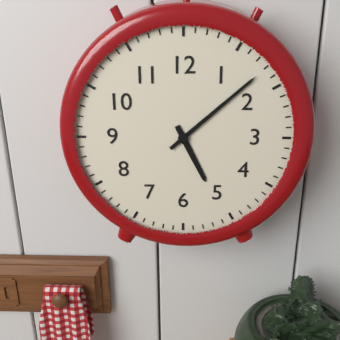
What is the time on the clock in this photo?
5:08
